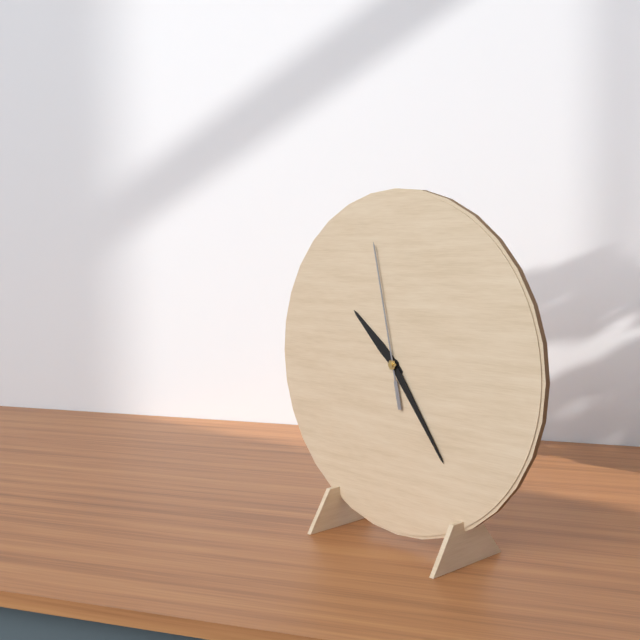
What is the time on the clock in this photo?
10:24:58
